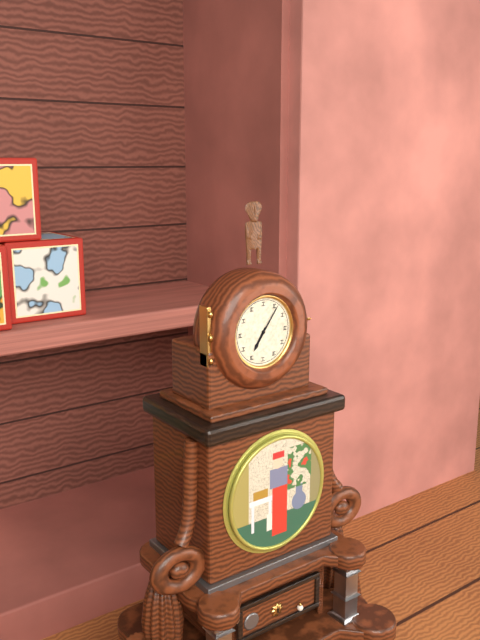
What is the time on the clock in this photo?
7:06
